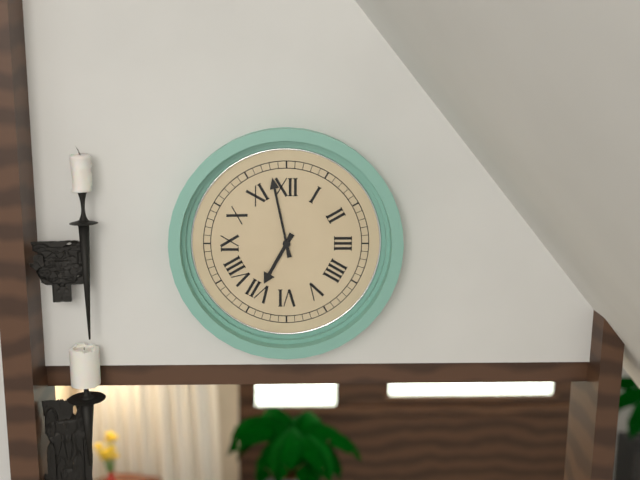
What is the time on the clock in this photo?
6:58
